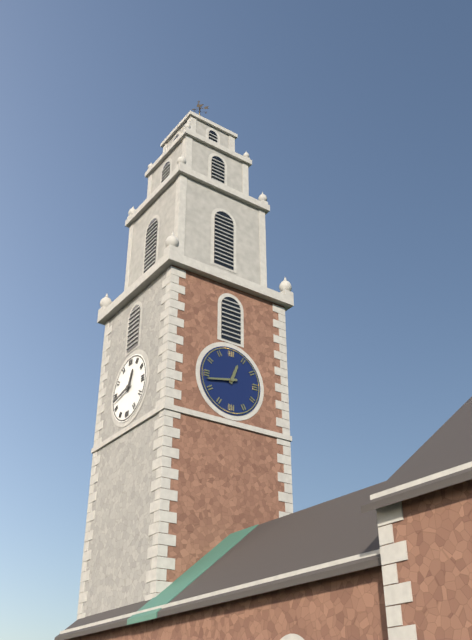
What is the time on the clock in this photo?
12:43
